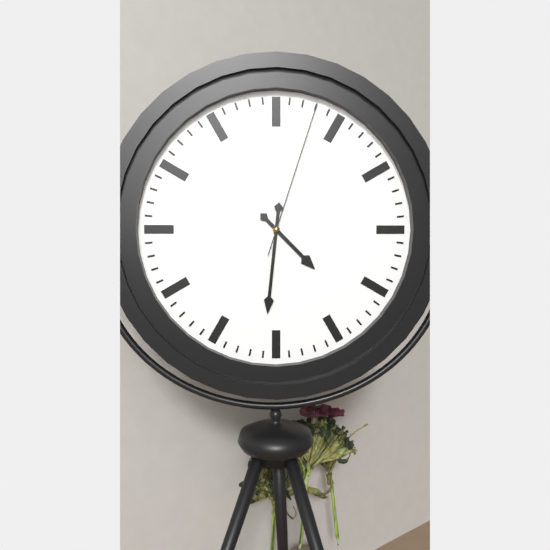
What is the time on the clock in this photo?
4:31:03
